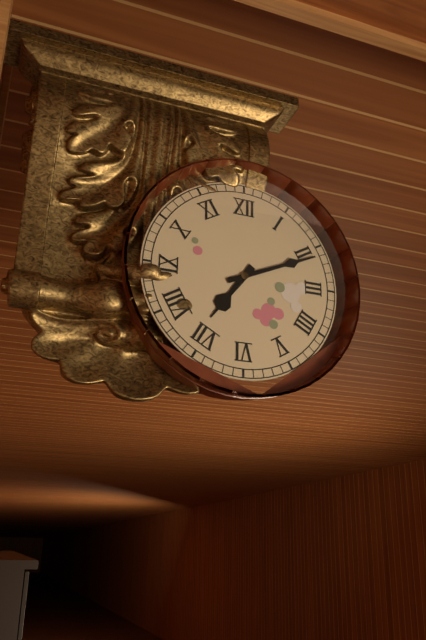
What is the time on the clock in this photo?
7:11
